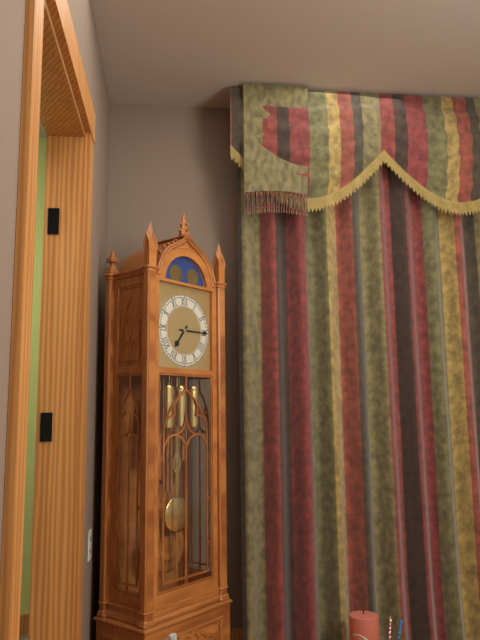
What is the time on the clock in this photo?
7:15
